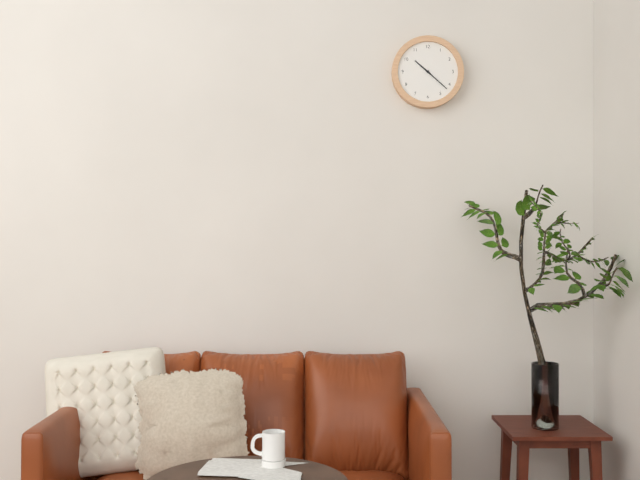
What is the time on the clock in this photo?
10:22
